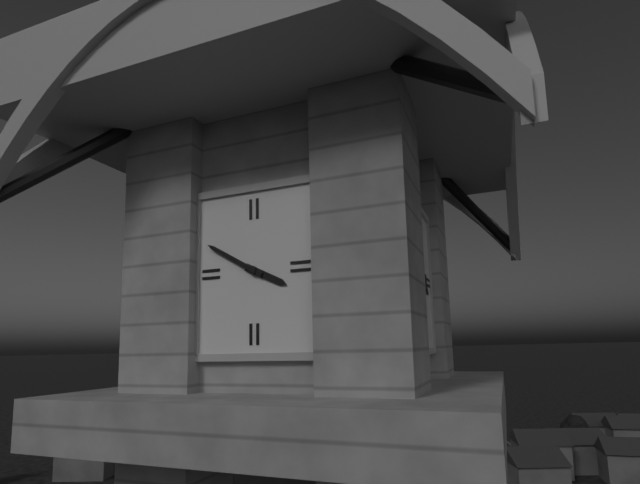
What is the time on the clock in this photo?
3:50
